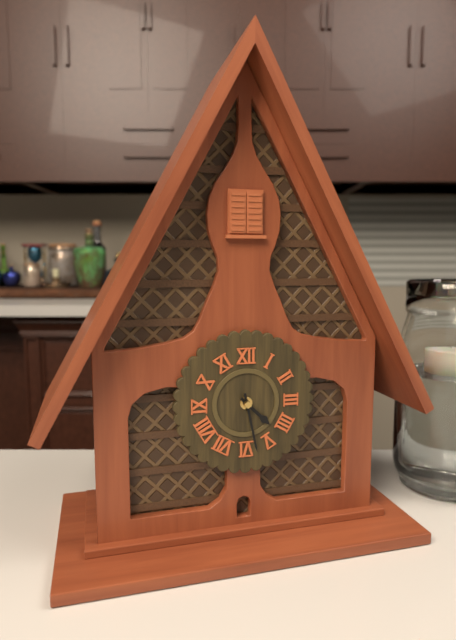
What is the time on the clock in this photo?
4:28
